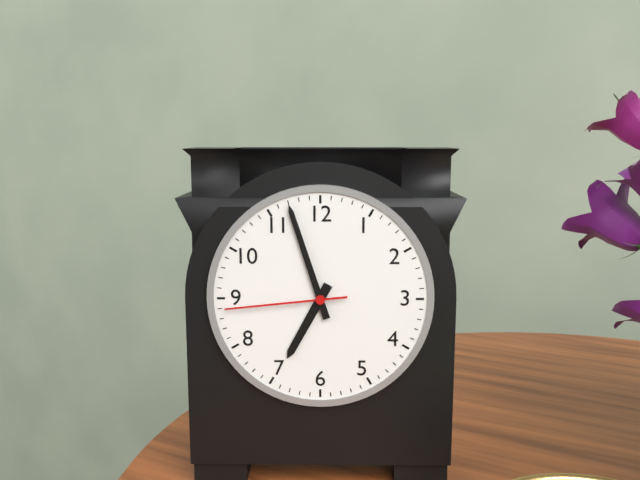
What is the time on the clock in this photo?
6:57:44
